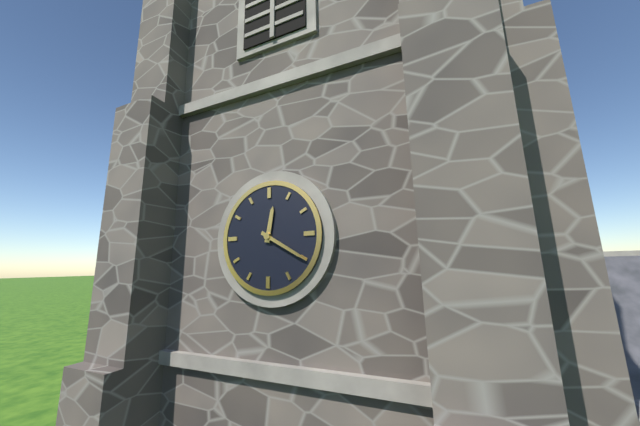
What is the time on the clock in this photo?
12:20
